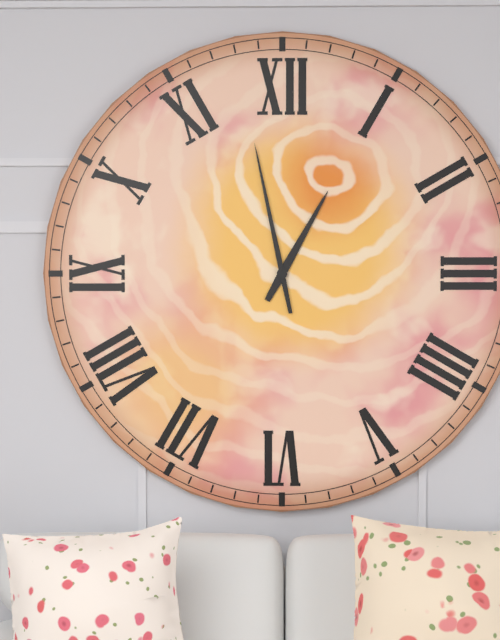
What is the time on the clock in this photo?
12:58
